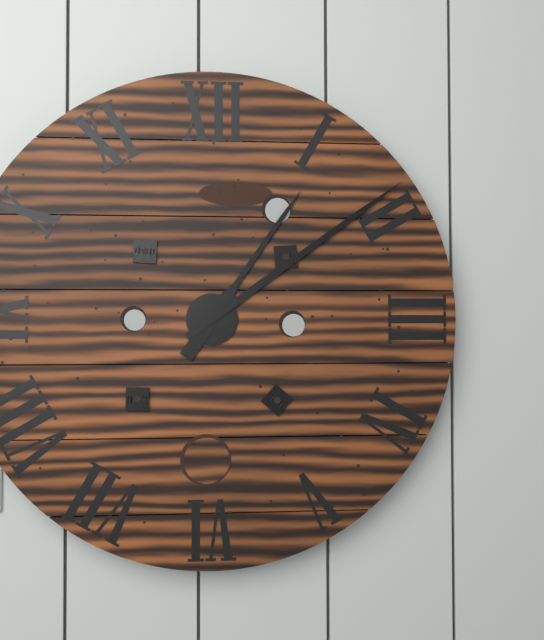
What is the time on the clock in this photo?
1:09
